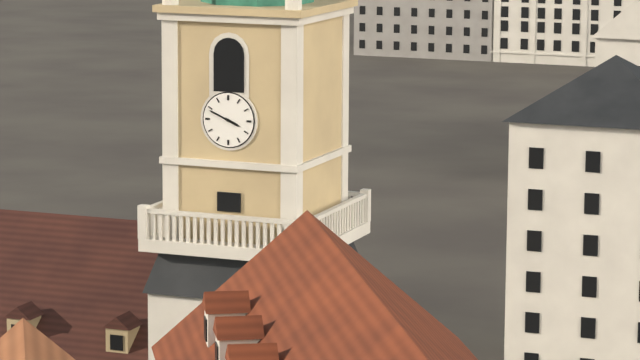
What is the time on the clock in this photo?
3:49
